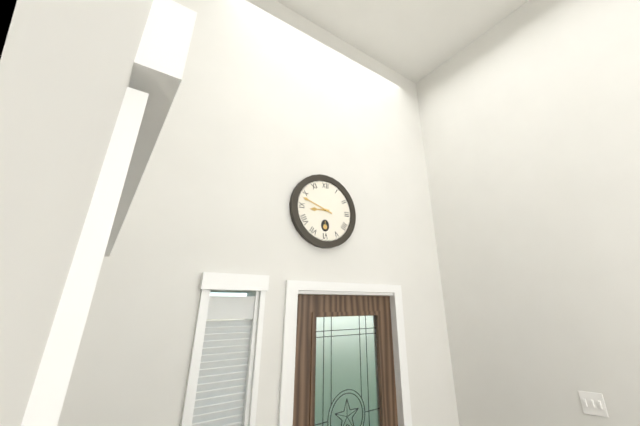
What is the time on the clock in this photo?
8:48
